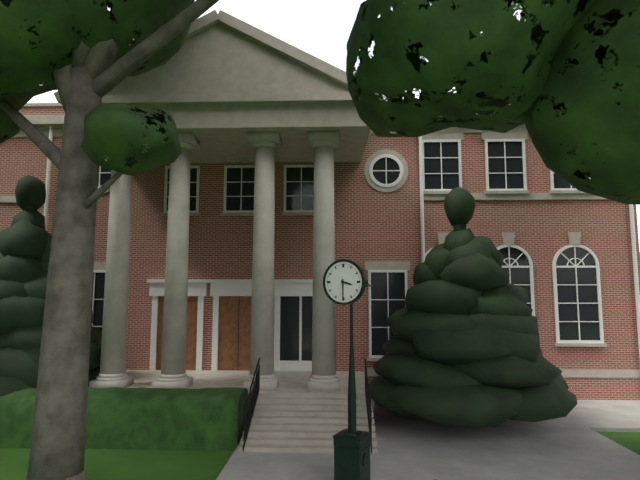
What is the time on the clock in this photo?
3:30
